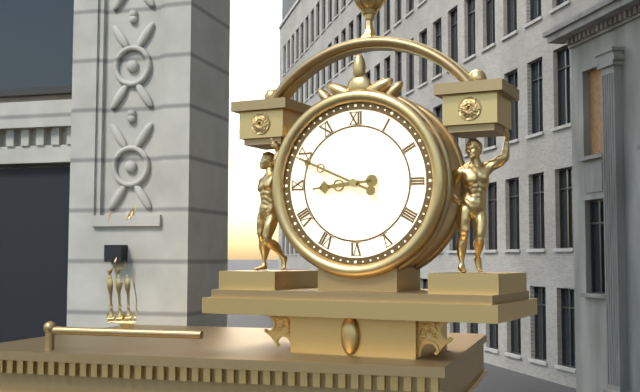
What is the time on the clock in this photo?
8:49
